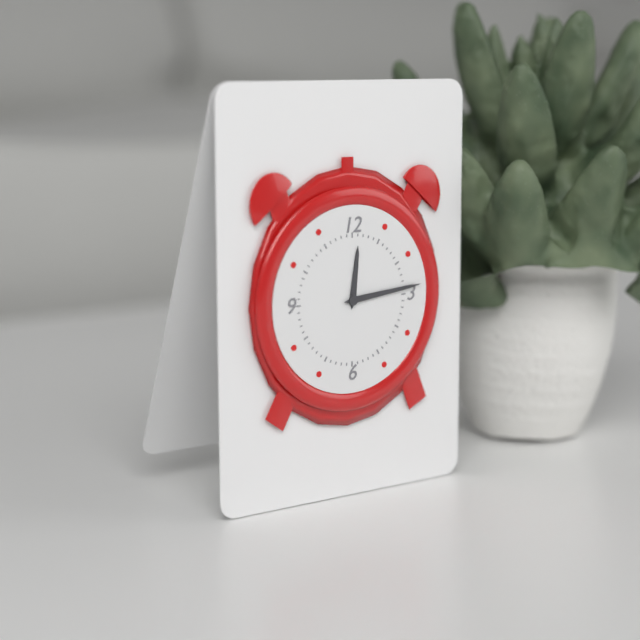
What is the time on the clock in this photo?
12:14
